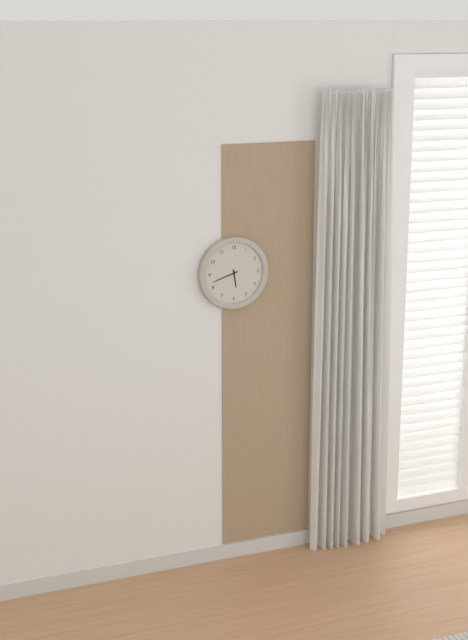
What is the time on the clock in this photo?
5:42
